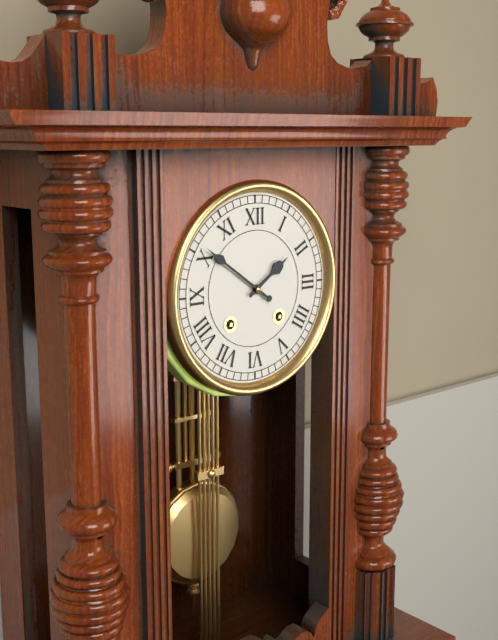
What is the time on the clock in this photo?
1:51
